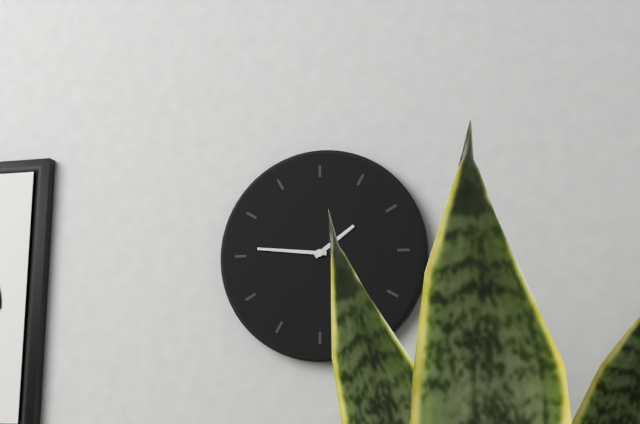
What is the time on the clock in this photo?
1:46
